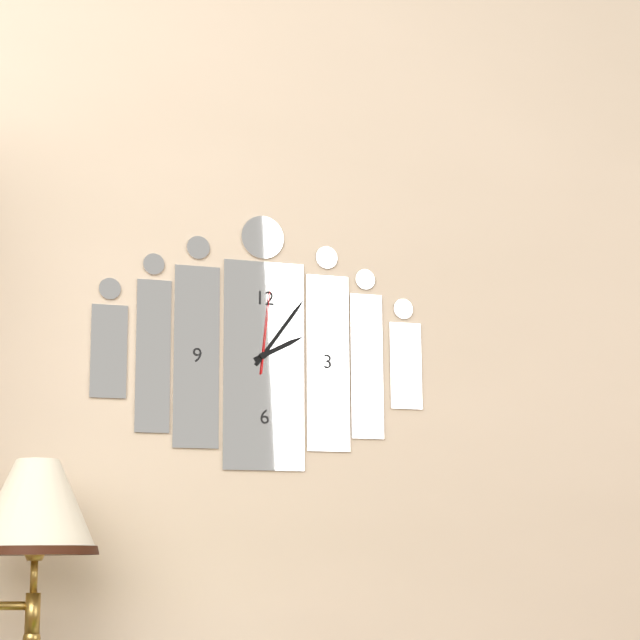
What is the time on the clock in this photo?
2:06:01
